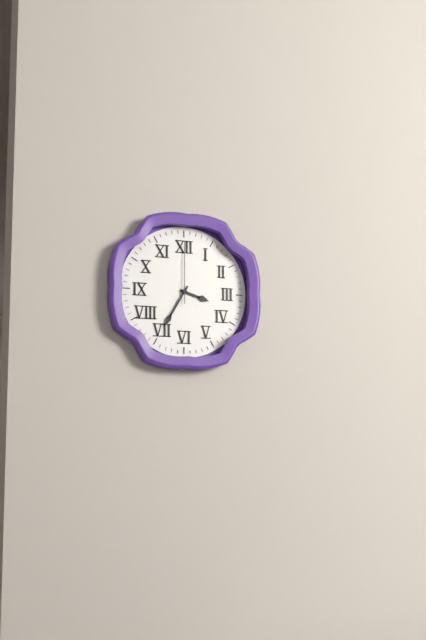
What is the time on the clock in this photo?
3:35:00
